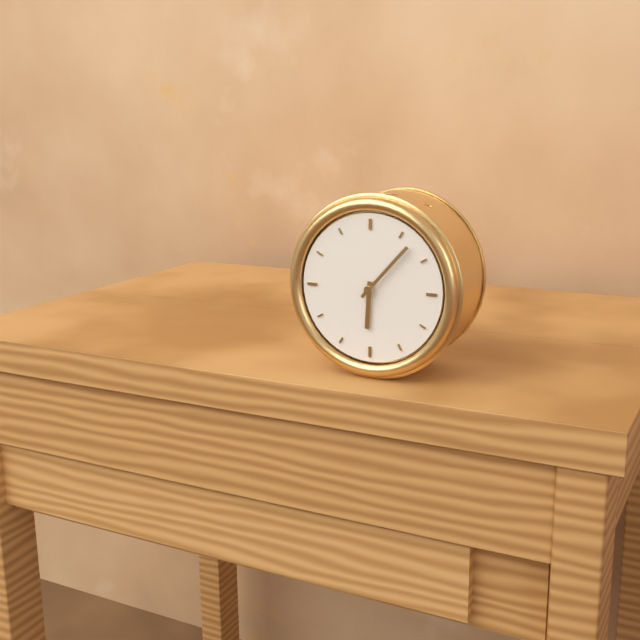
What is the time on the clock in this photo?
6:07
